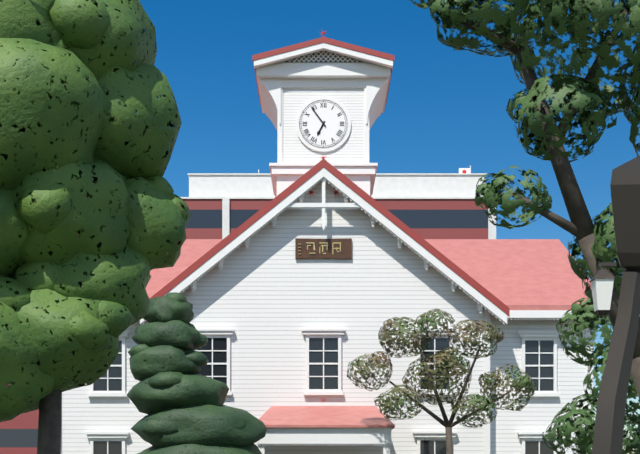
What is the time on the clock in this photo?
6:54
